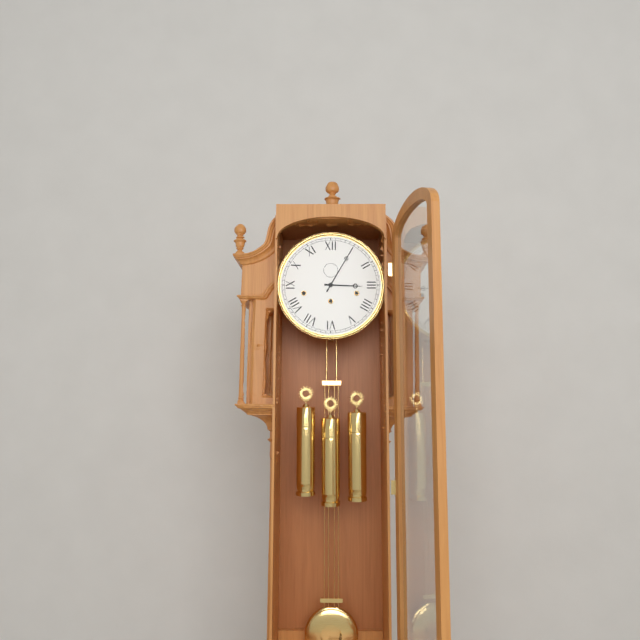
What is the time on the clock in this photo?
3:05
